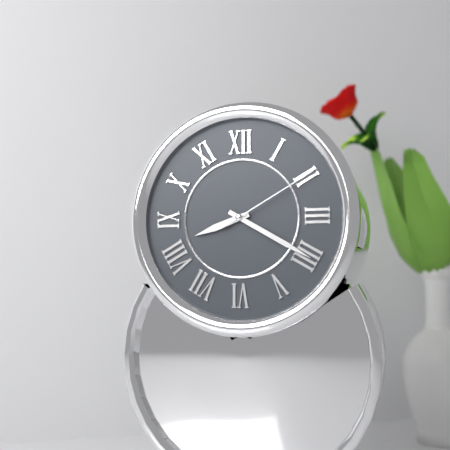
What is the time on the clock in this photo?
8:20:10
